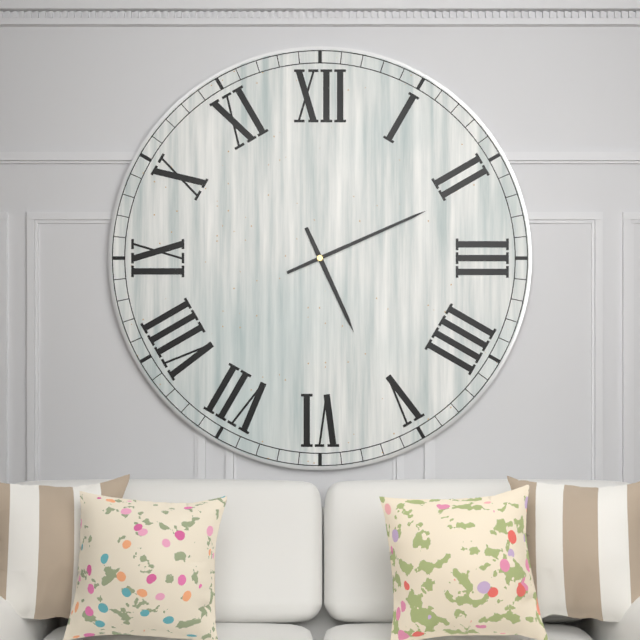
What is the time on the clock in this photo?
5:11
